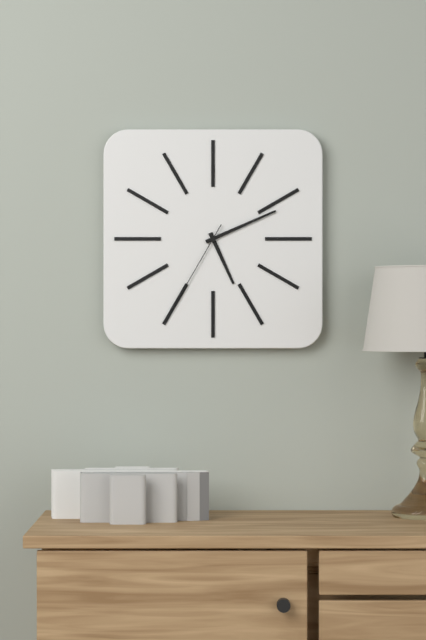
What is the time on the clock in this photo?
5:11:35
